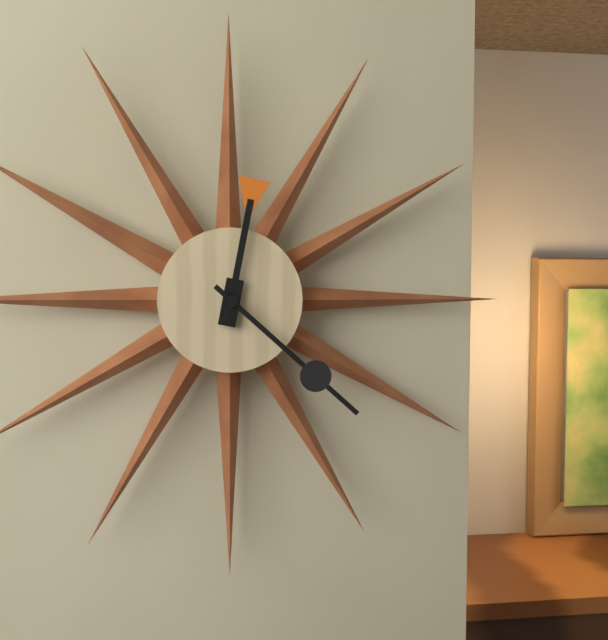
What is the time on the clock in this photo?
12:22
